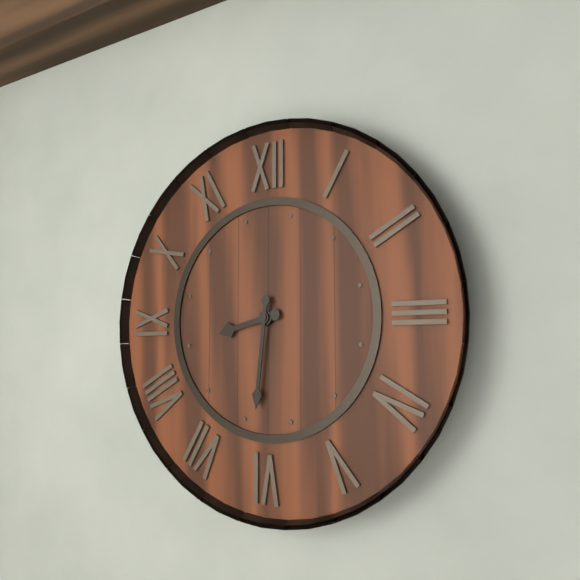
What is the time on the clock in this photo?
8:31
